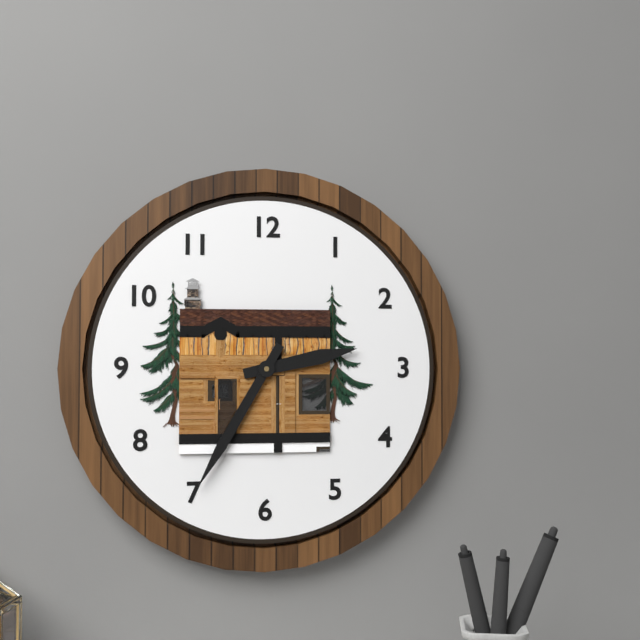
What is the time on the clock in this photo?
2:35
